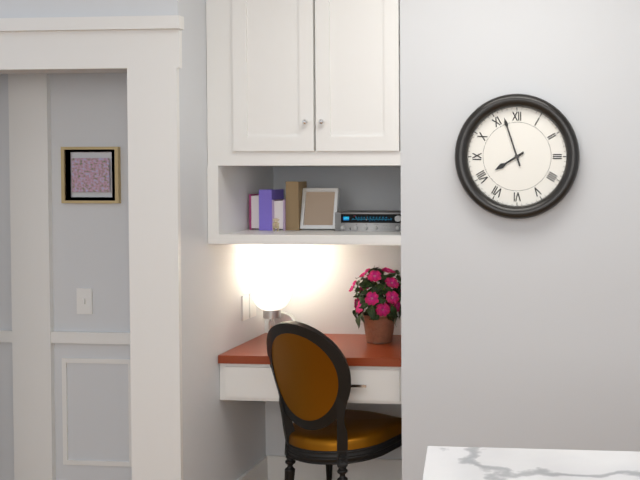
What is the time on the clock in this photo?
7:57
